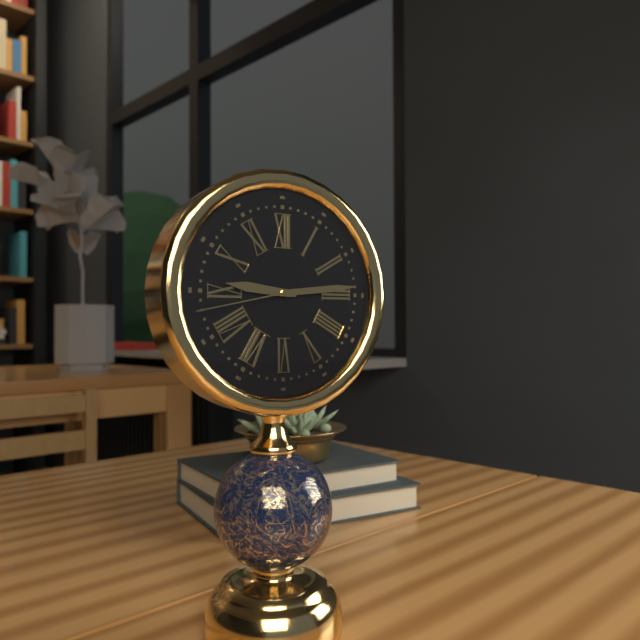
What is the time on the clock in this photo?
9:14:43
